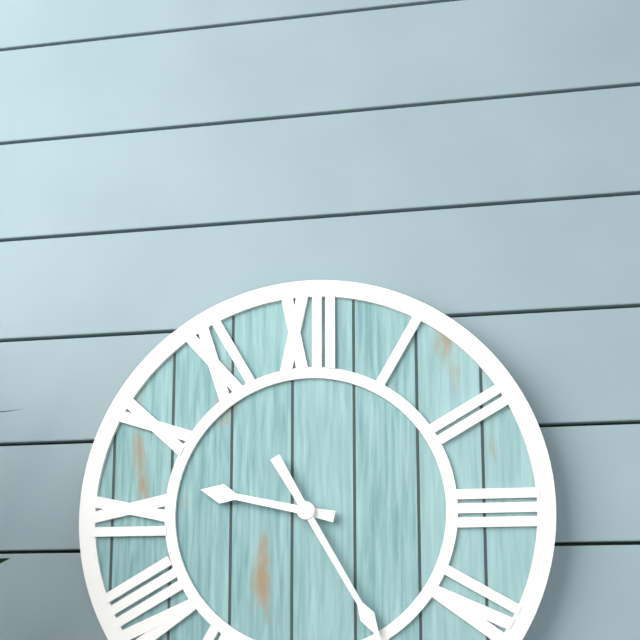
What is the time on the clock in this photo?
9:25
